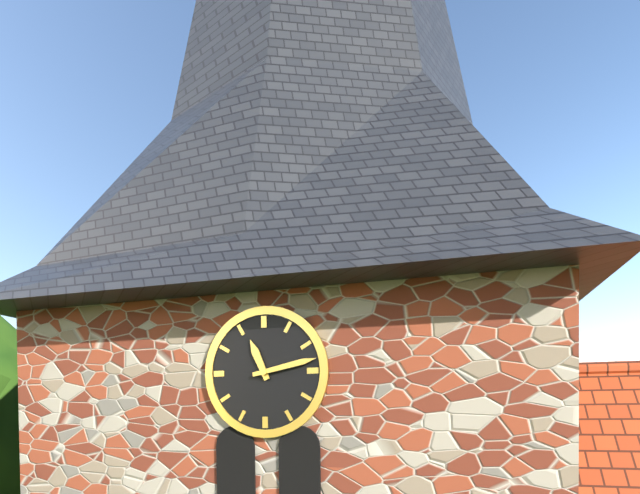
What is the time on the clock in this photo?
11:13
